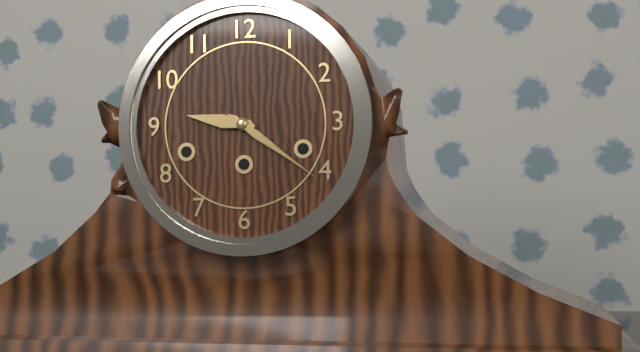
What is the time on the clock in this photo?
9:21
